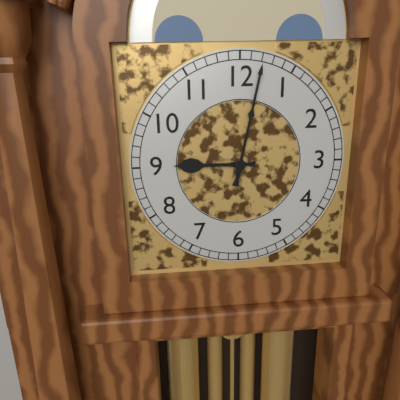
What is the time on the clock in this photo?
9:02
